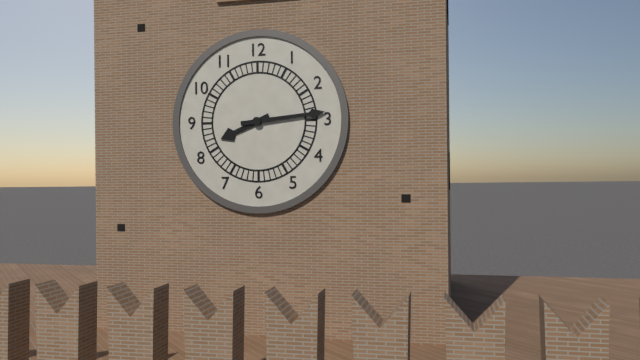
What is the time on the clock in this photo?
8:14
